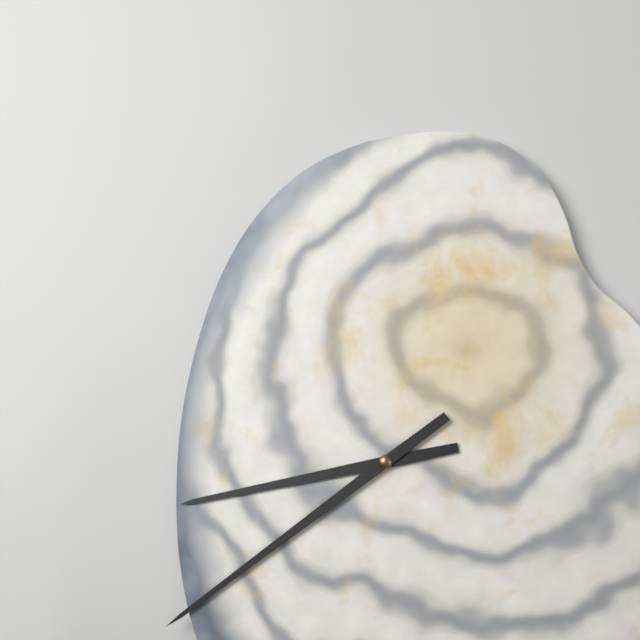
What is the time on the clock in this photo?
8:39
